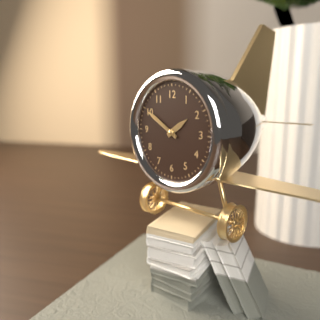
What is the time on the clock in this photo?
1:50
